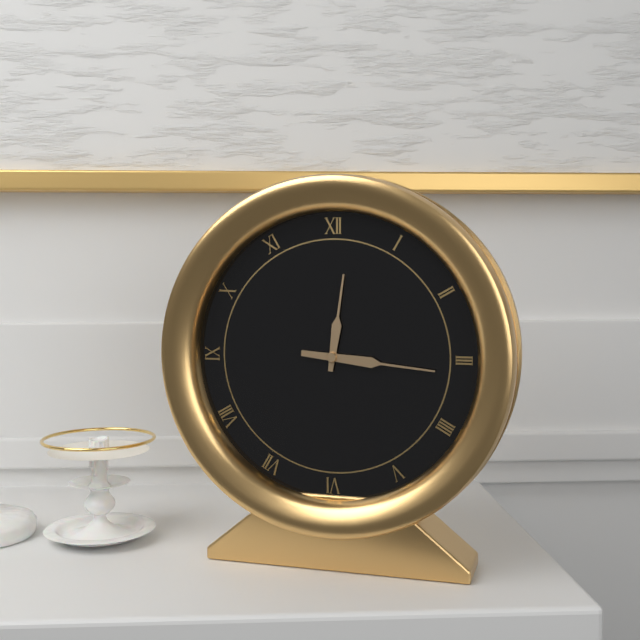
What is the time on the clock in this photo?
12:16
